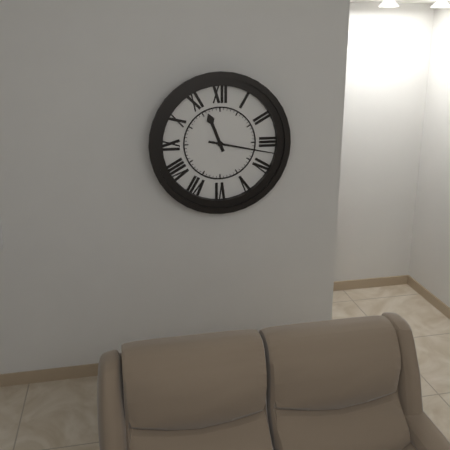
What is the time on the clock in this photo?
11:17
